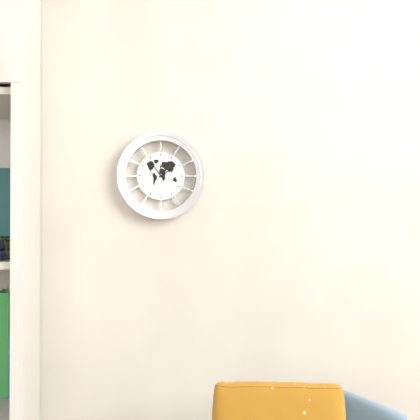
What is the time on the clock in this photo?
1:54
